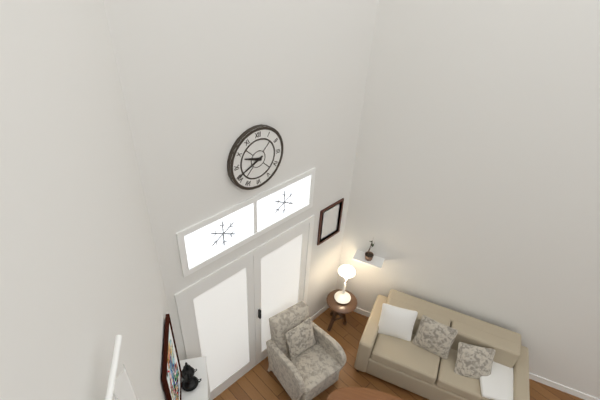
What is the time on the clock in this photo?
9:41
